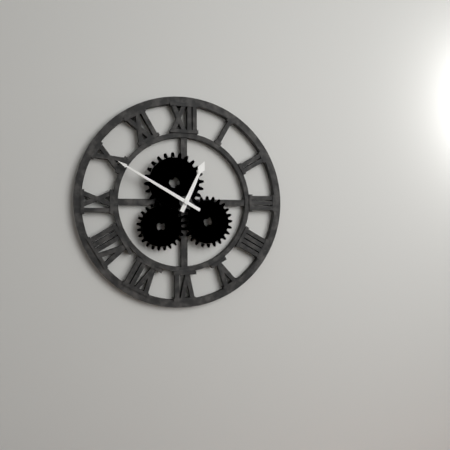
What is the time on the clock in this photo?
12:50
